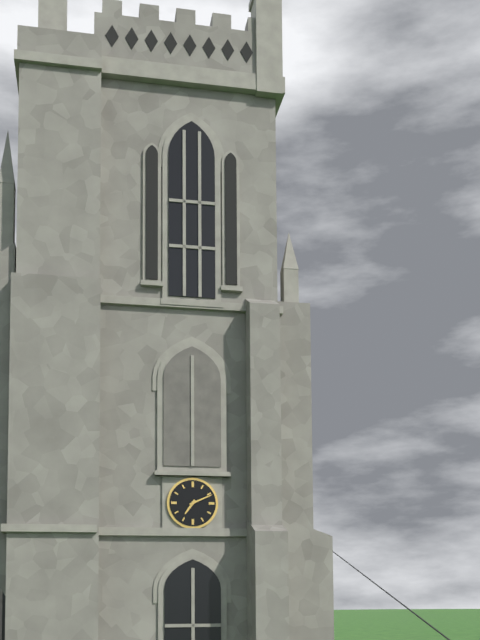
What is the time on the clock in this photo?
7:11
